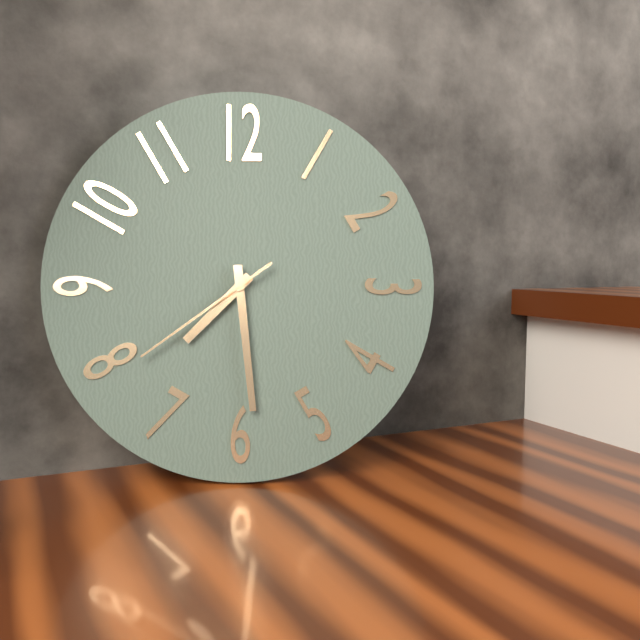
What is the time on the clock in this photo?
7:29:39
